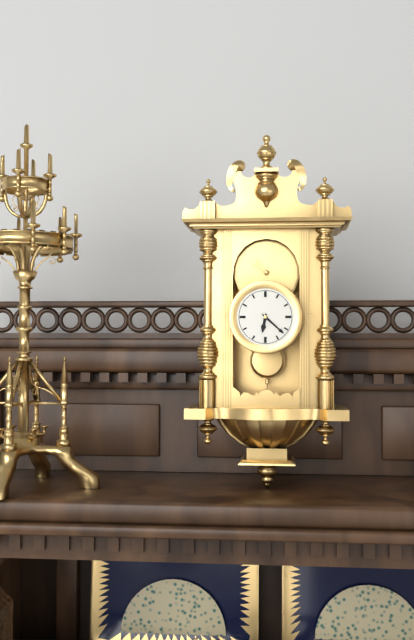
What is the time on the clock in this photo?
6:22
